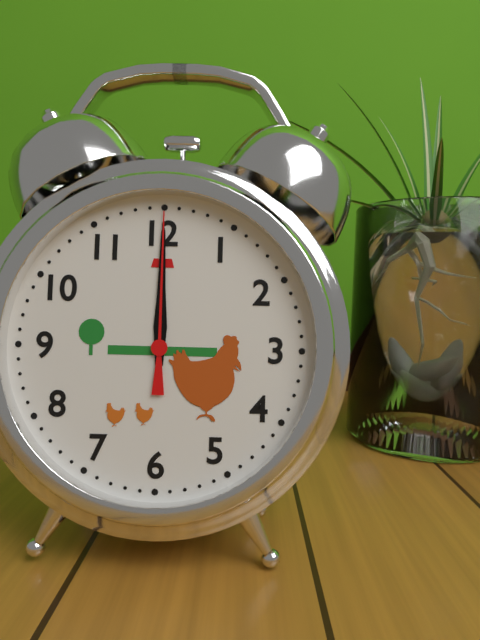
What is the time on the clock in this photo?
12:00:00
